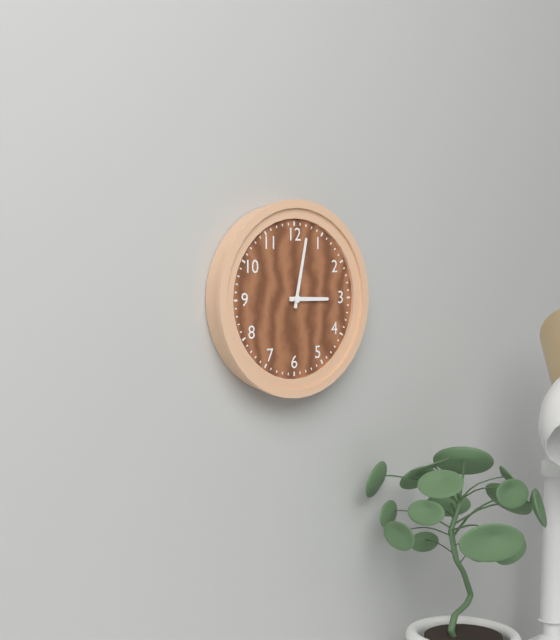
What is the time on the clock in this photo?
3:02
